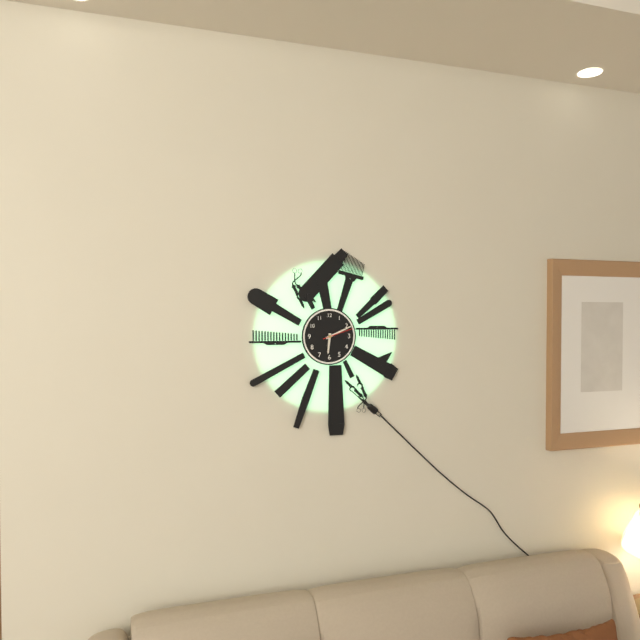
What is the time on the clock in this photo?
6:11
